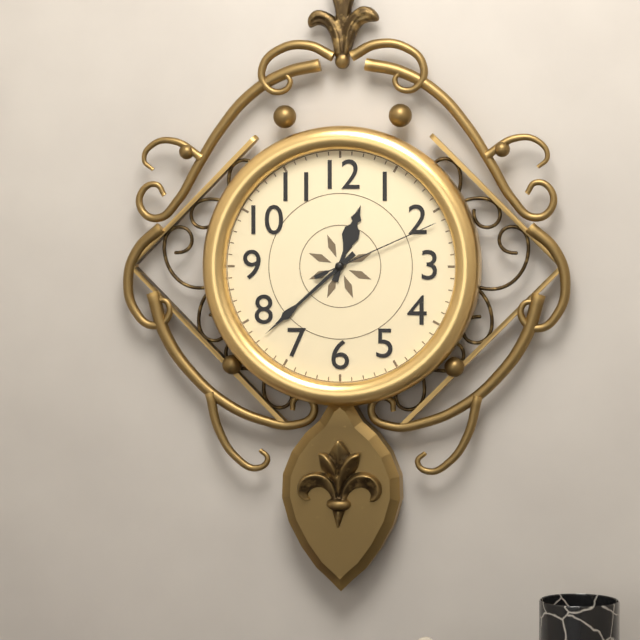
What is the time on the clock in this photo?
12:38:11
